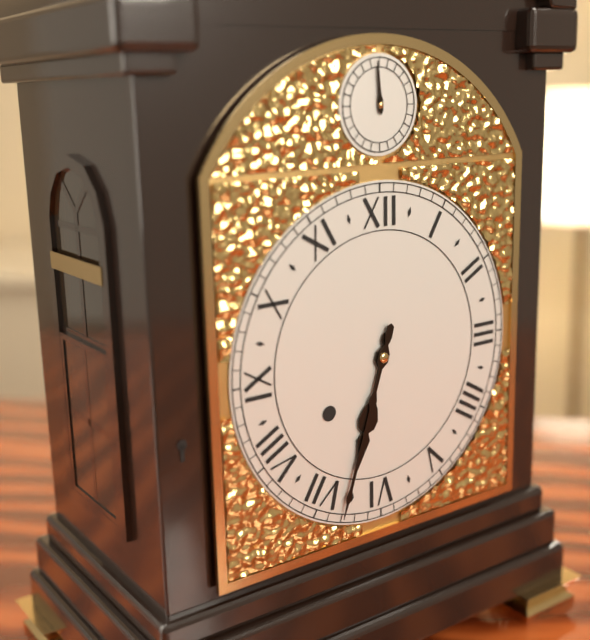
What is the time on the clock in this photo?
6:33
